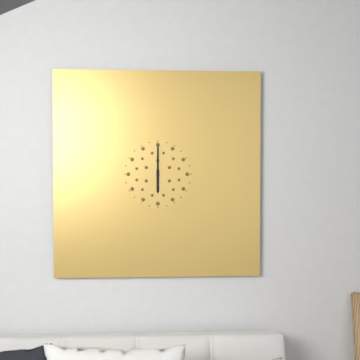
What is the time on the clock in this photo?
6:00
